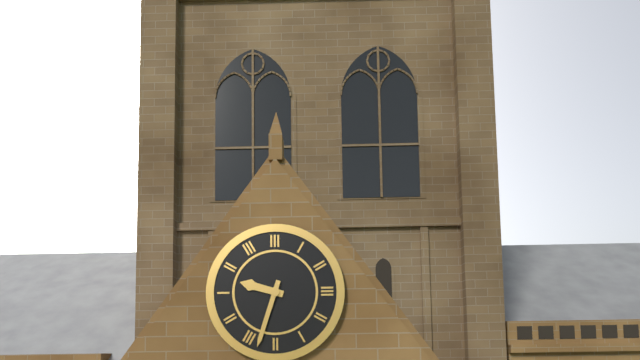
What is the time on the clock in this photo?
9:33
